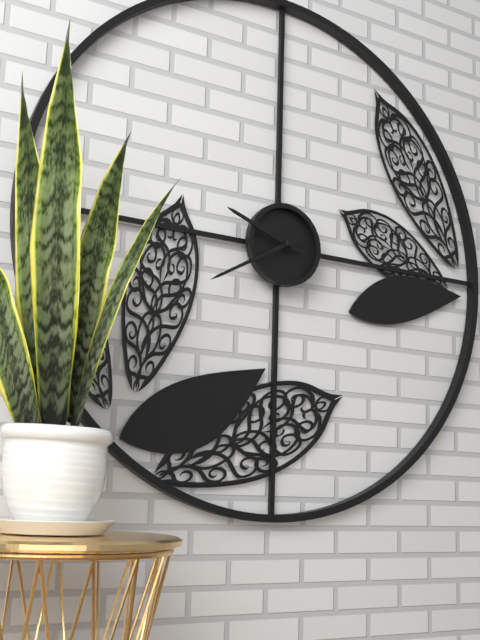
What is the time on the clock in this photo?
9:40
